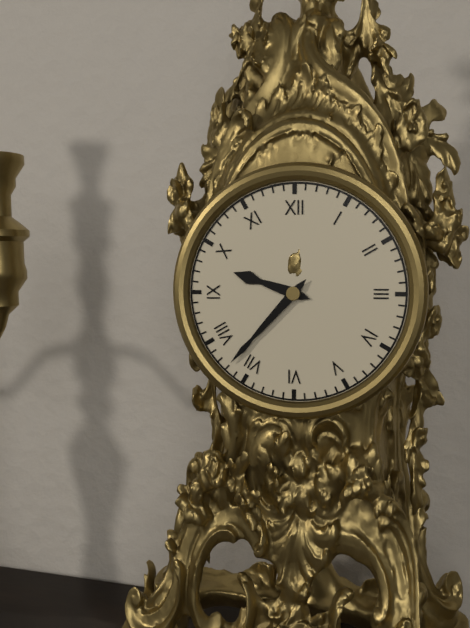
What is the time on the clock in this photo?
9:37
